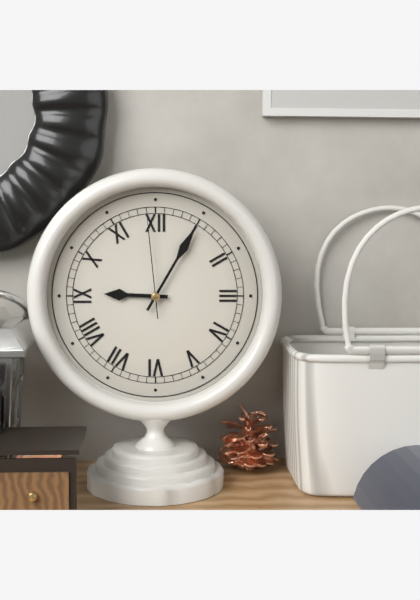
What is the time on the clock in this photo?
9:05:59
